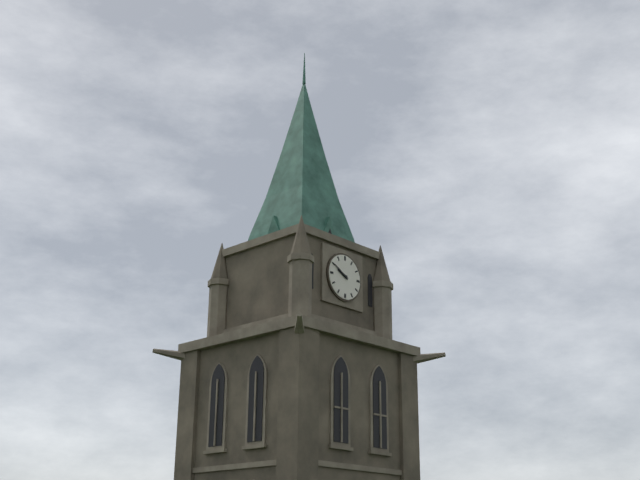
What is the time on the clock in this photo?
9:50
